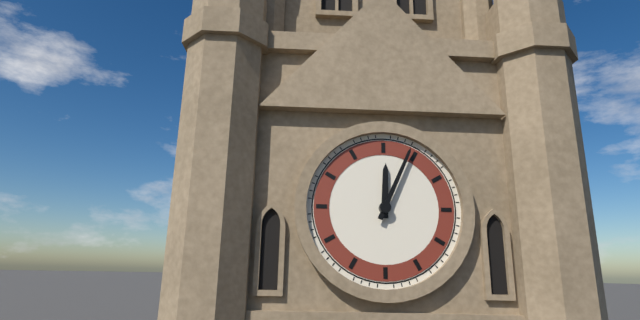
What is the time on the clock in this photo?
12:04
